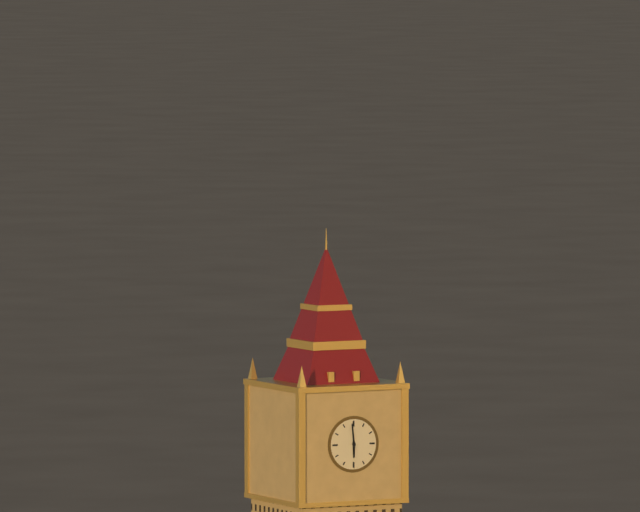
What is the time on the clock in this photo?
5:59
